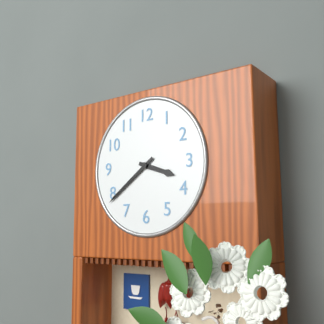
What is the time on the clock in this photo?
3:39
